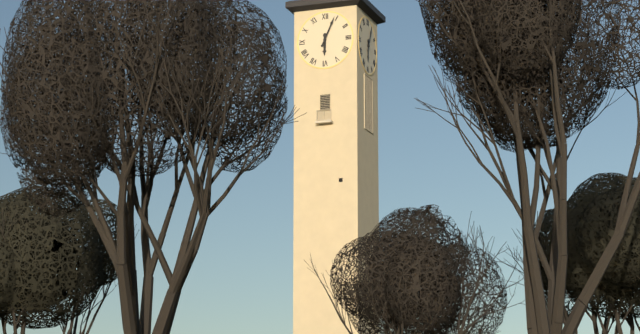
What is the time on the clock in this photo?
6:04
